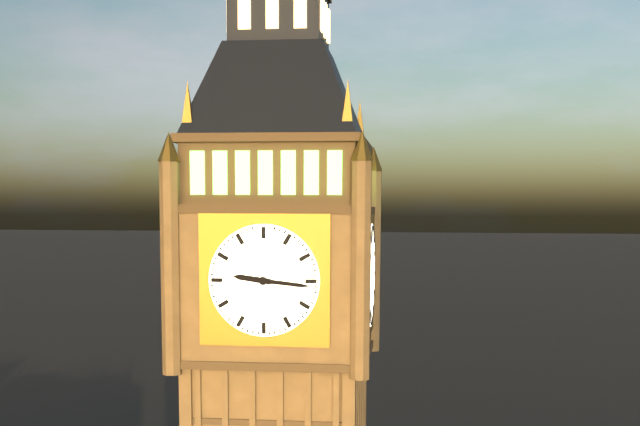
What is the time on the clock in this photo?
9:16
